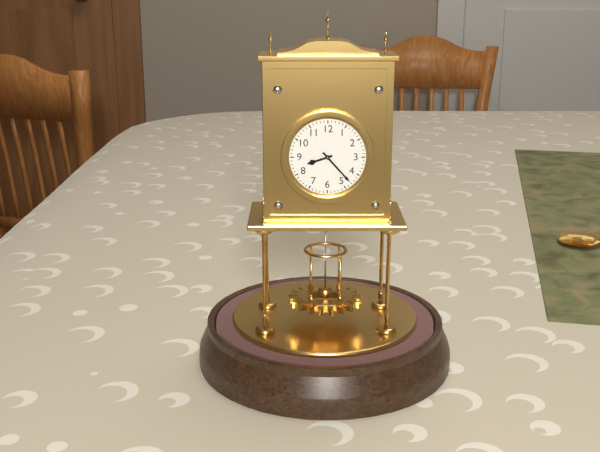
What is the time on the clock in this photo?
8:23
